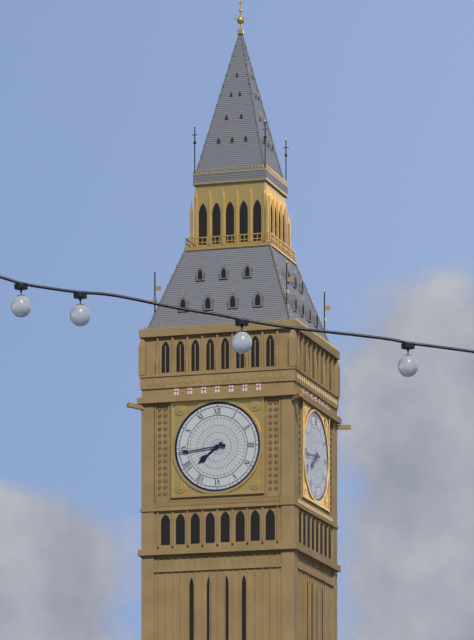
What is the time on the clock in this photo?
7:44
